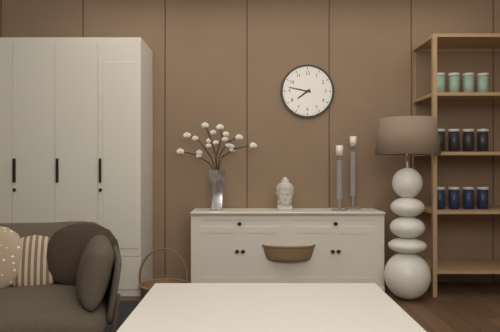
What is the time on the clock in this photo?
7:47
